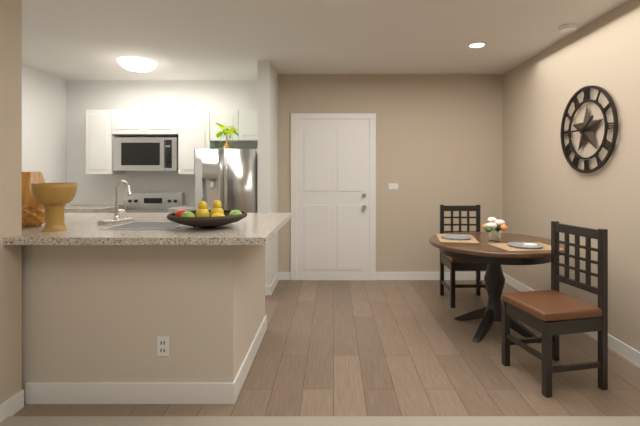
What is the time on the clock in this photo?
1:45
